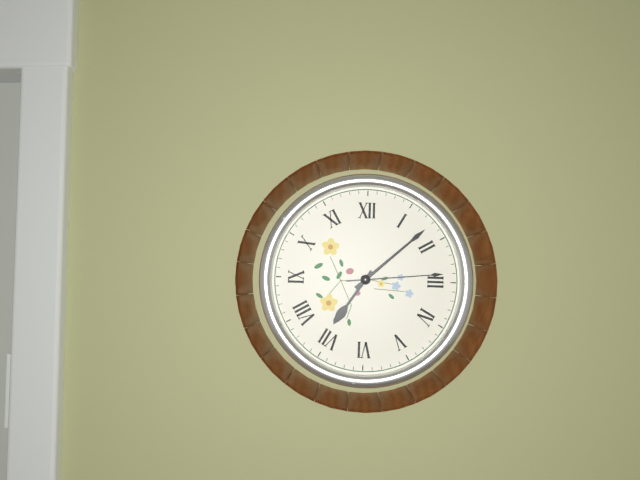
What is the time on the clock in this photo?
7:08:14
